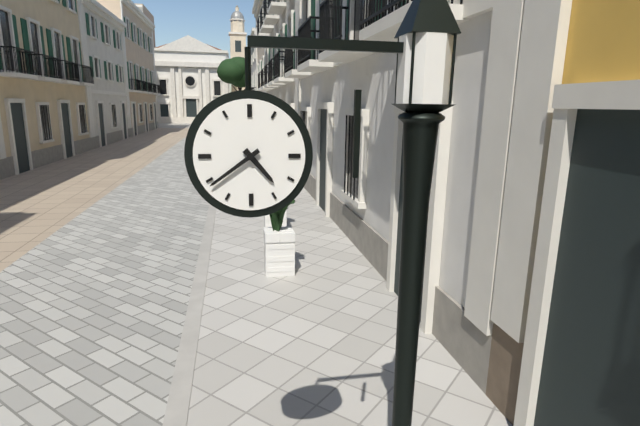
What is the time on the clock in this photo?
4:39
